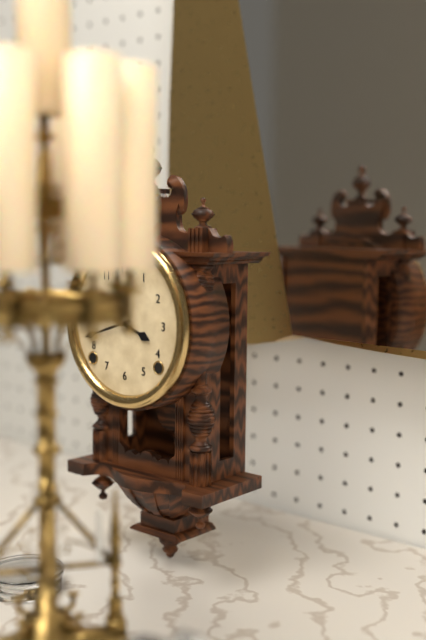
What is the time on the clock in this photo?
3:42
